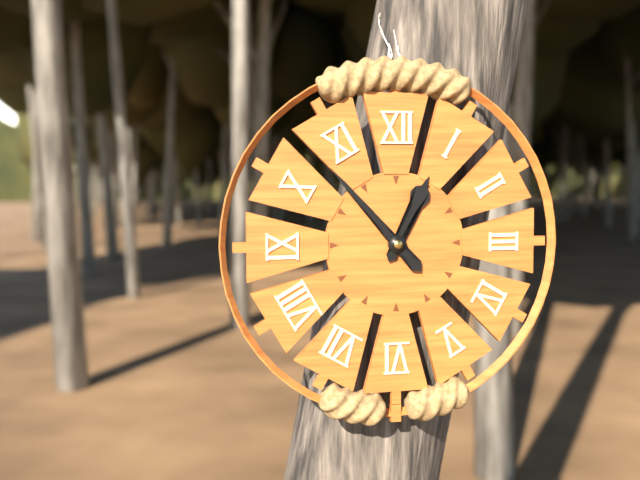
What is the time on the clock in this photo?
12:53
